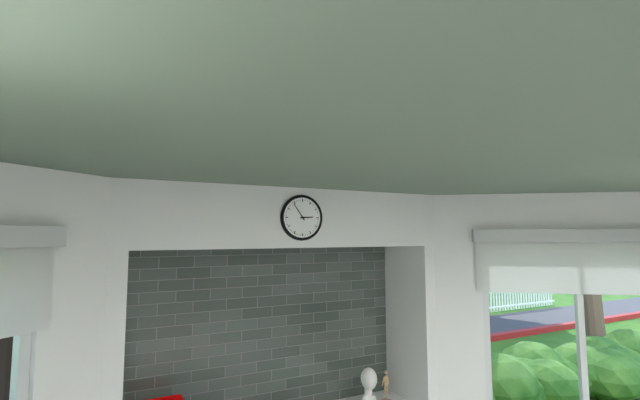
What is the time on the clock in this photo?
2:54
